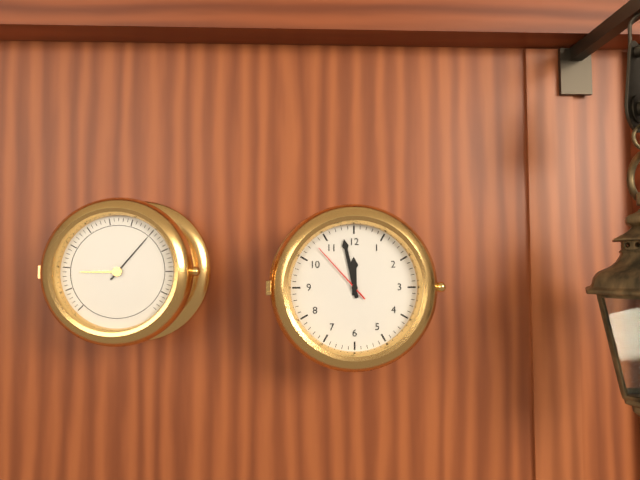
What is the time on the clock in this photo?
11:58:53
